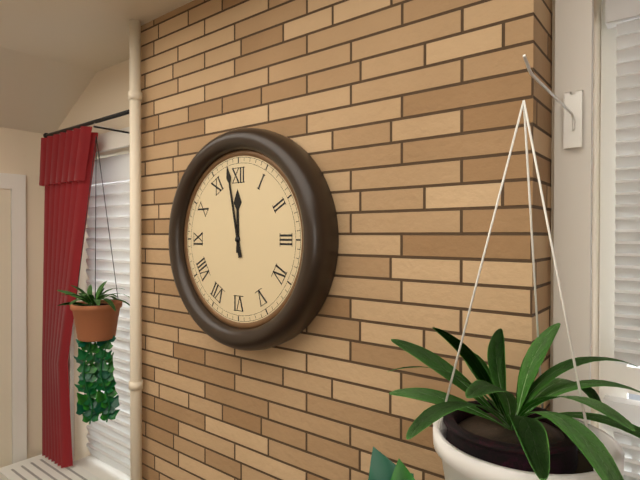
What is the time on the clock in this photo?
11:58
